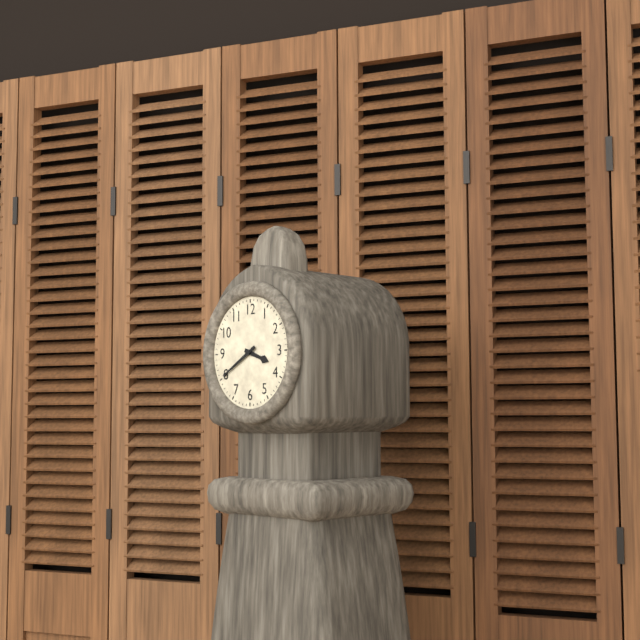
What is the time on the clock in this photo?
3:40
